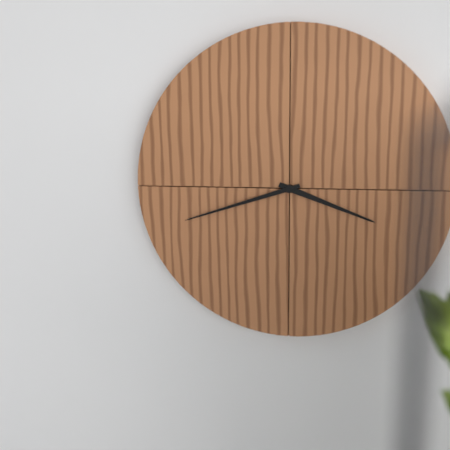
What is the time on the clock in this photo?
3:42
